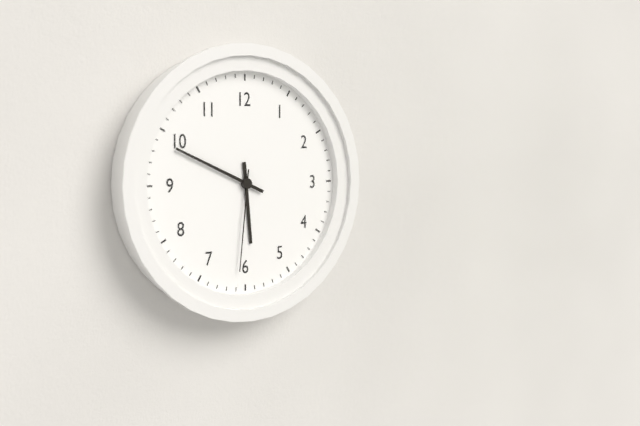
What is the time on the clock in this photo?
5:49:31
